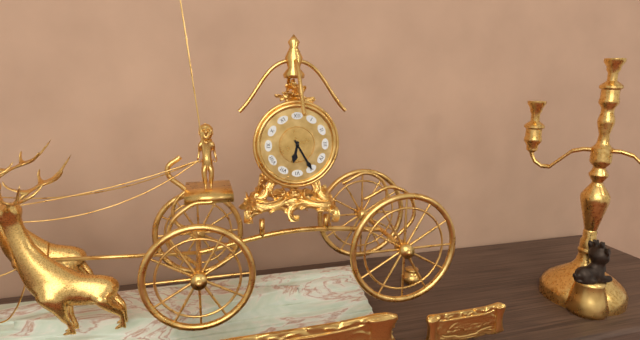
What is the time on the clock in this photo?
6:25
